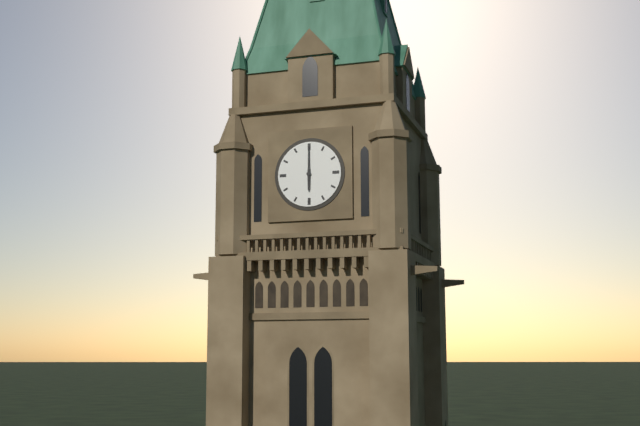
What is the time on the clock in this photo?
6:00
